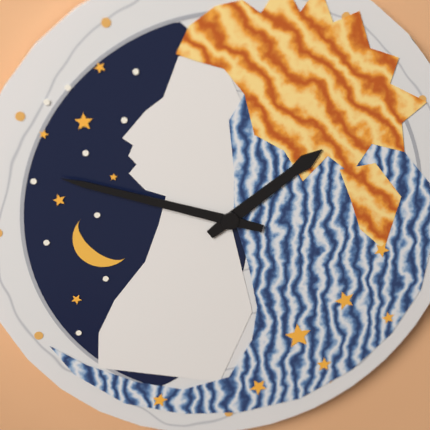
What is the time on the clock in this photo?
1:48
